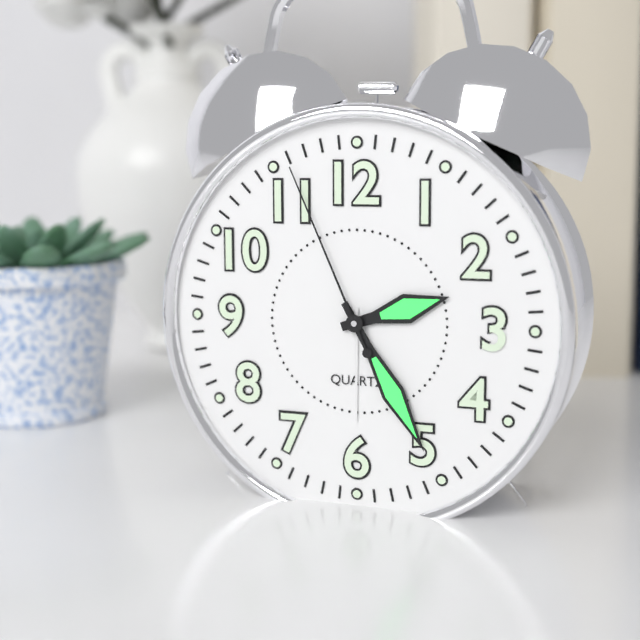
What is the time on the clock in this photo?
2:25:56
